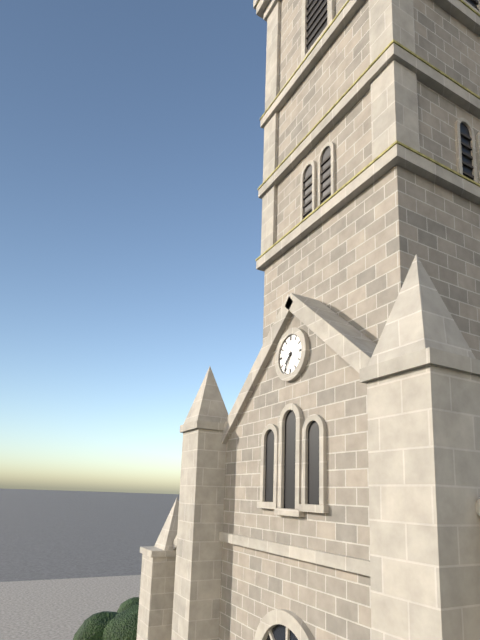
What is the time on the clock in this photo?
7:35
